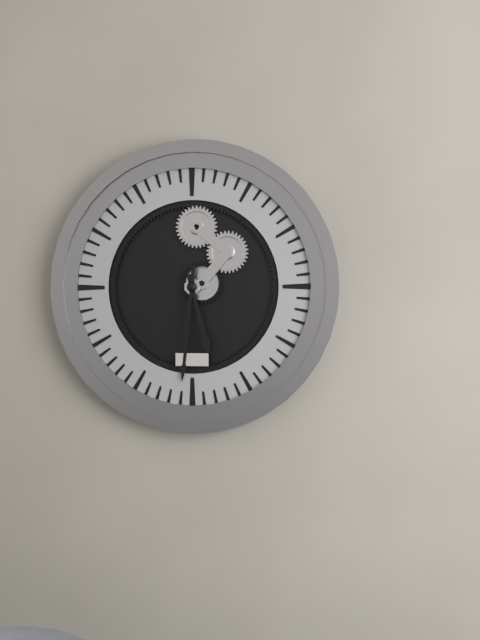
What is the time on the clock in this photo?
5:31
